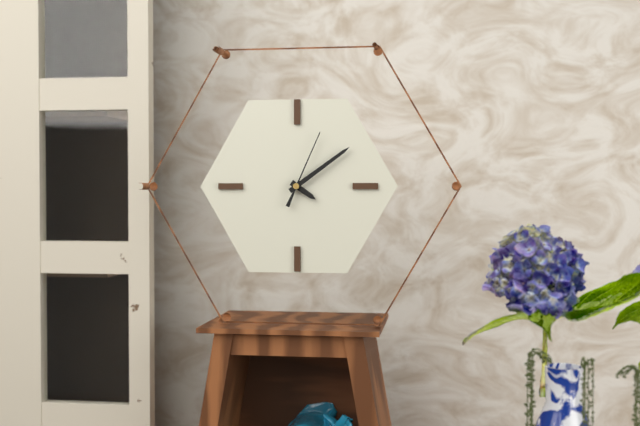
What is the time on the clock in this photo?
4:09:04
